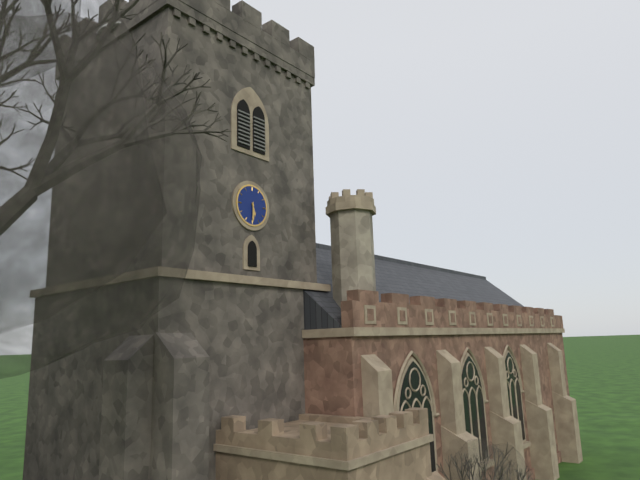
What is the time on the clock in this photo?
5:30
